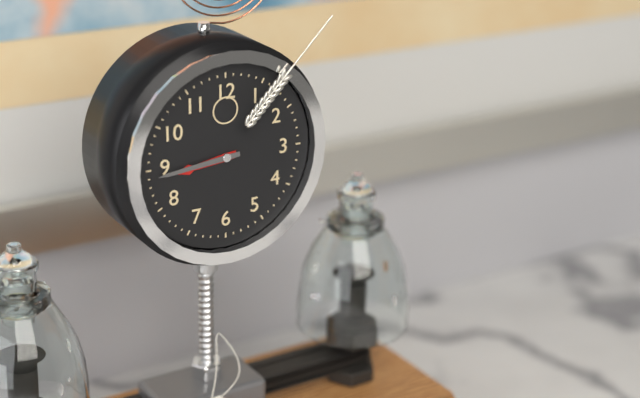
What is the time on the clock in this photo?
8:44
